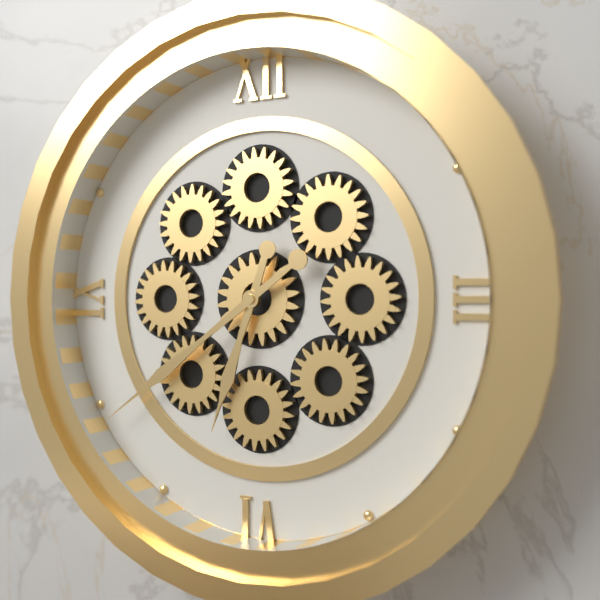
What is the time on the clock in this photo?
6:39
